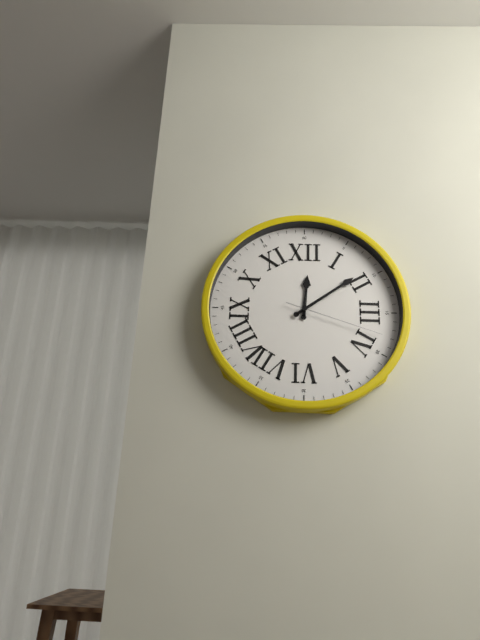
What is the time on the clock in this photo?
12:09:18
